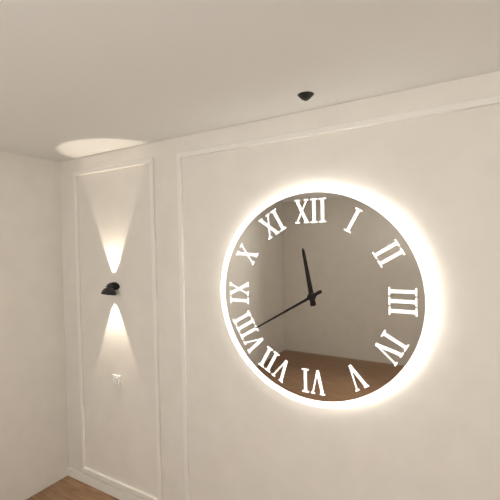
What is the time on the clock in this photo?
11:40
